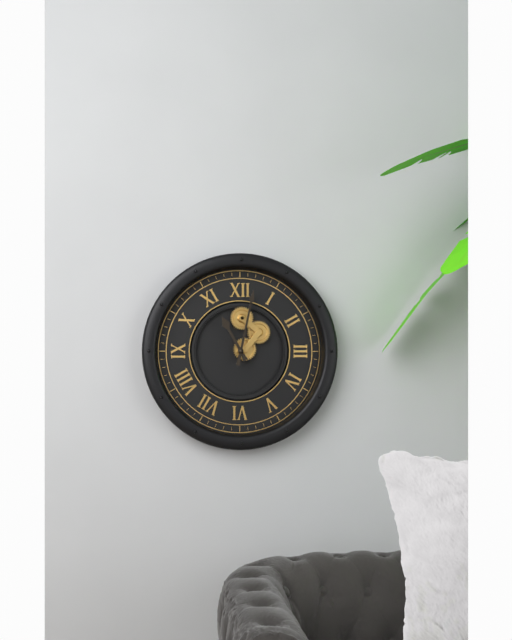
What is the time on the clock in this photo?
11:02
